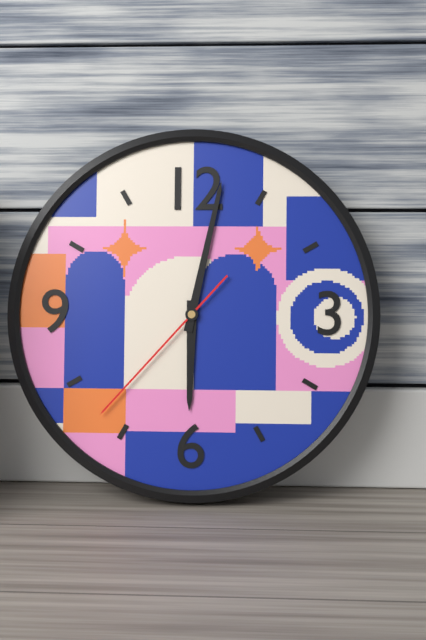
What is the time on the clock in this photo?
6:02:37
